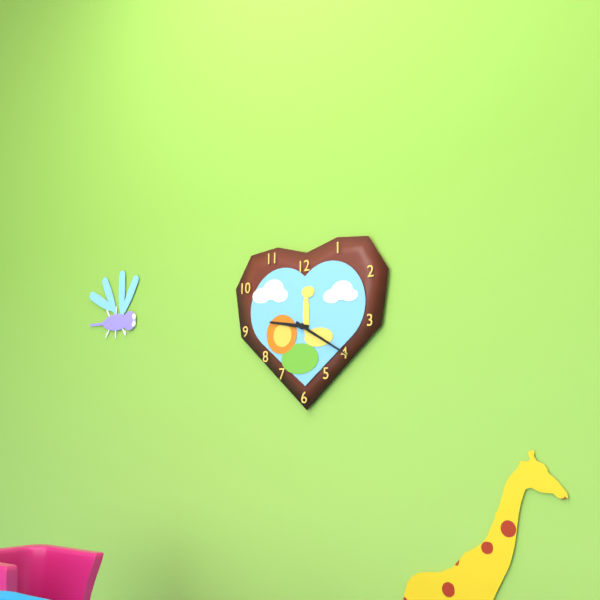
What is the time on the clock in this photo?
9:20
